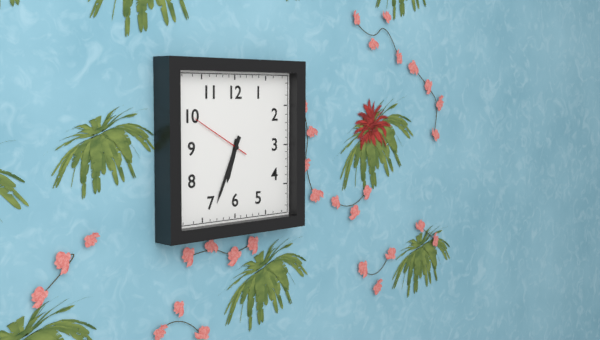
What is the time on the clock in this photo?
6:34:50
